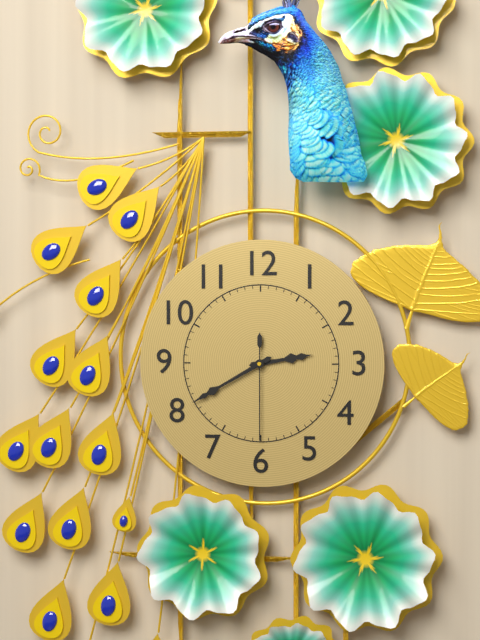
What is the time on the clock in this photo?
2:40:30
